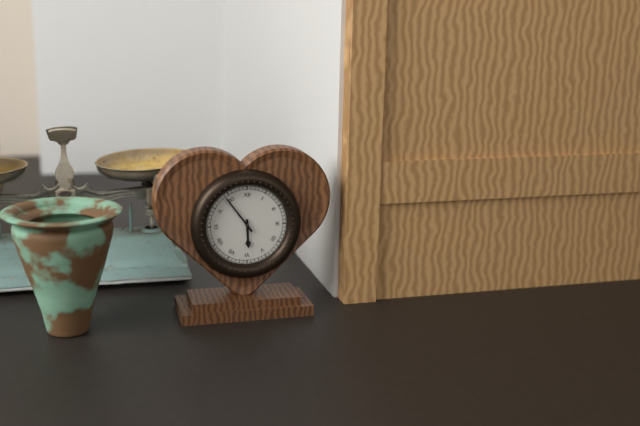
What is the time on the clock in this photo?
5:54
